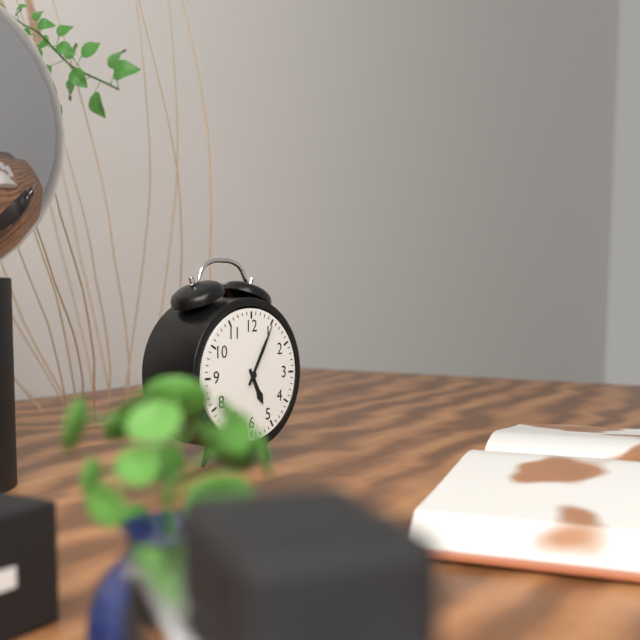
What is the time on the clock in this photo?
5:05
